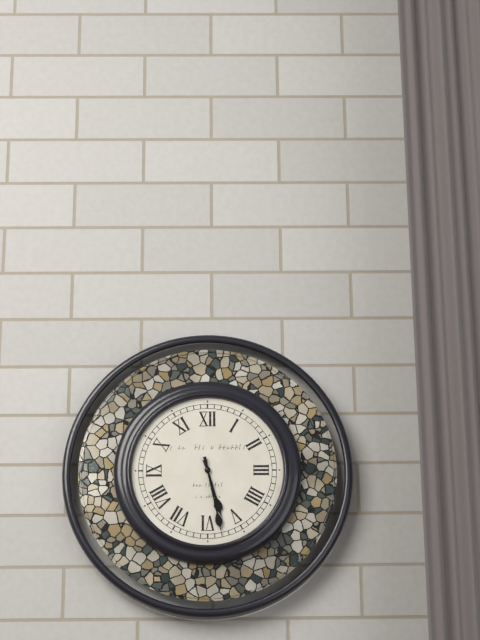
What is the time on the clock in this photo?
5:28
